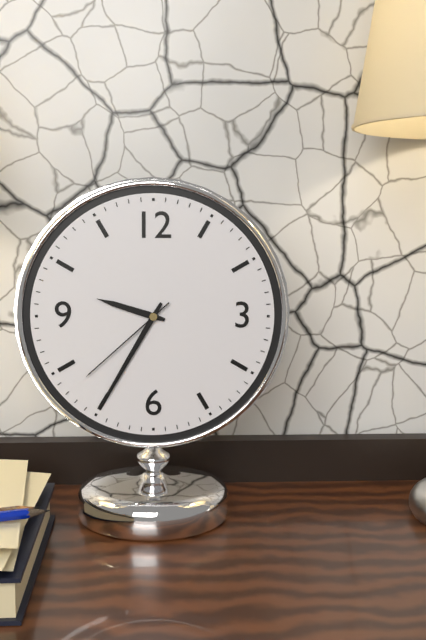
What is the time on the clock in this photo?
9:35:38
